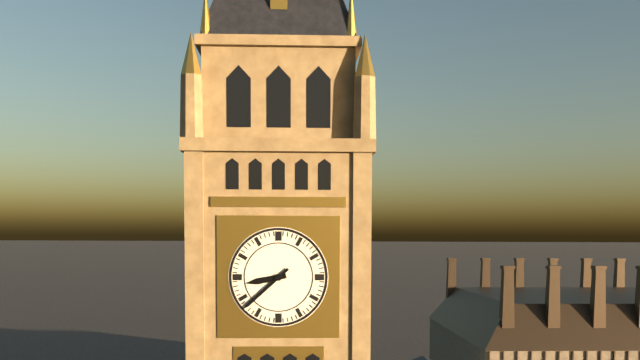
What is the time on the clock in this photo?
8:38
